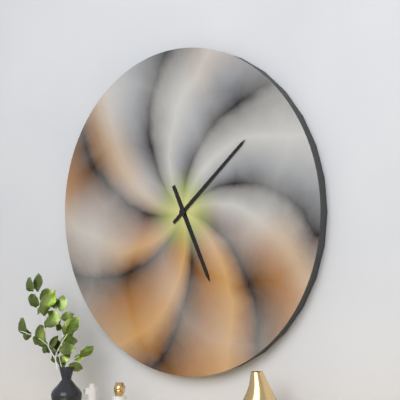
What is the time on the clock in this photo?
5:08
